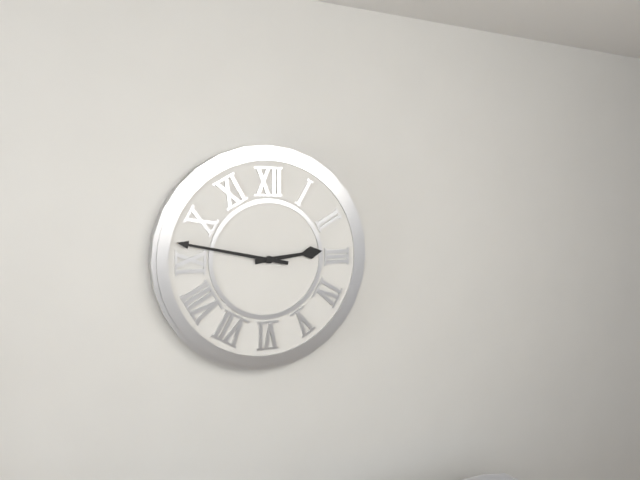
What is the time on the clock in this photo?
2:47
